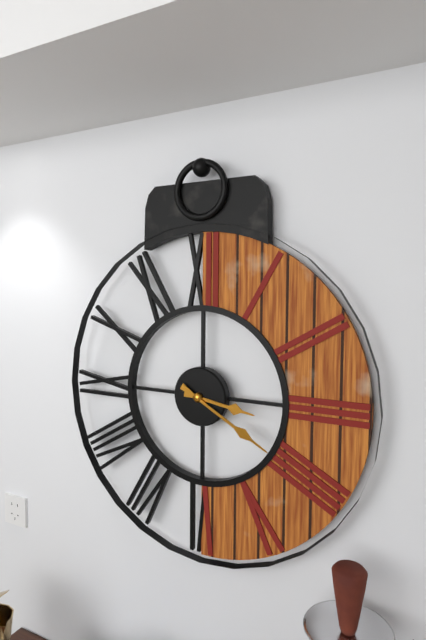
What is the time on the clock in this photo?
3:20
